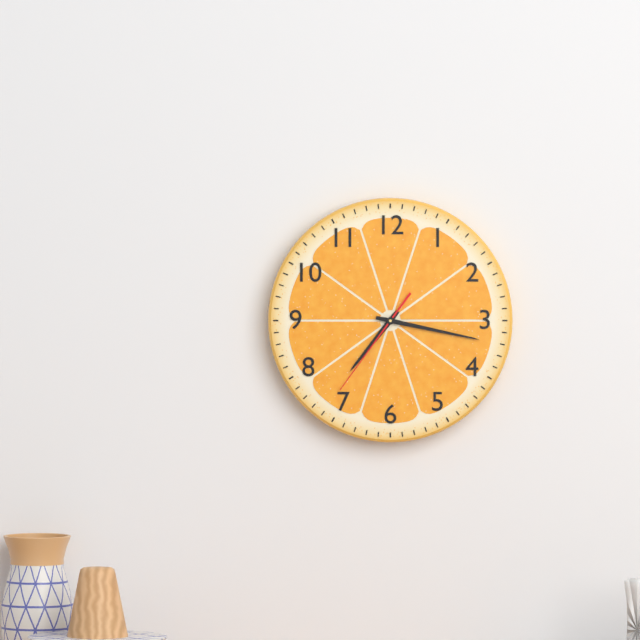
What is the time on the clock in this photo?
7:17:36
